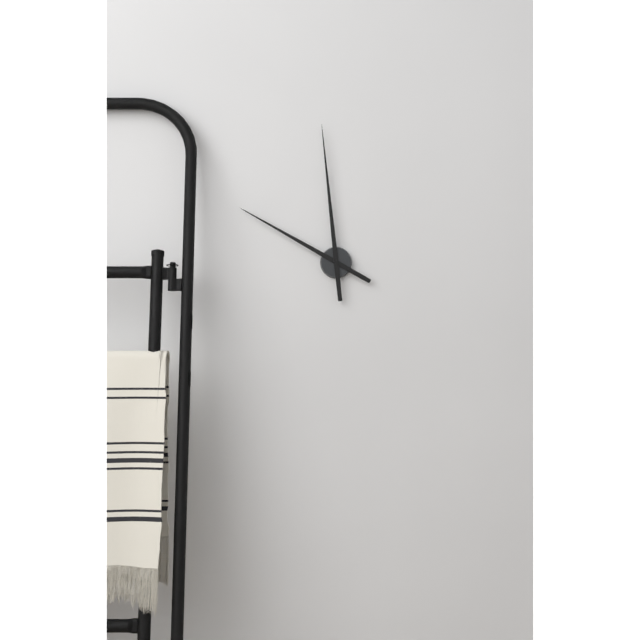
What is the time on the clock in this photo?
9:59
